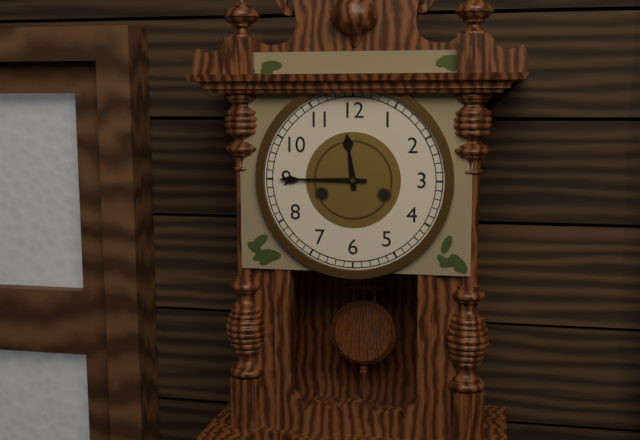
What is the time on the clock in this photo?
11:45
